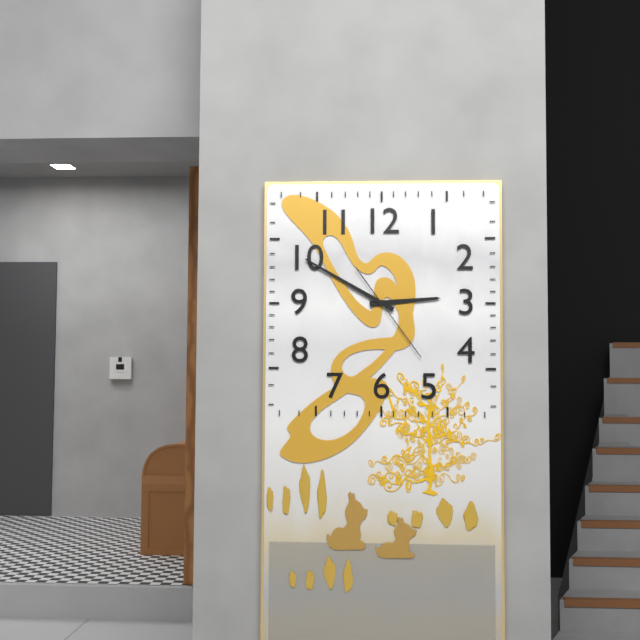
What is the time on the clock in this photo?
2:50:24
